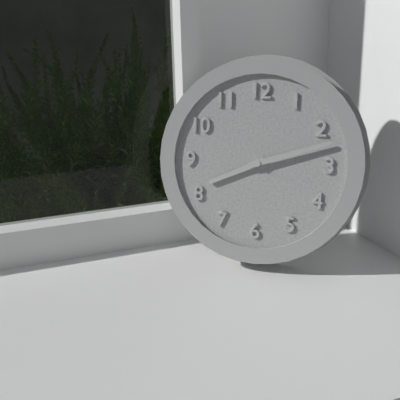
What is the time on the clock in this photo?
8:12
